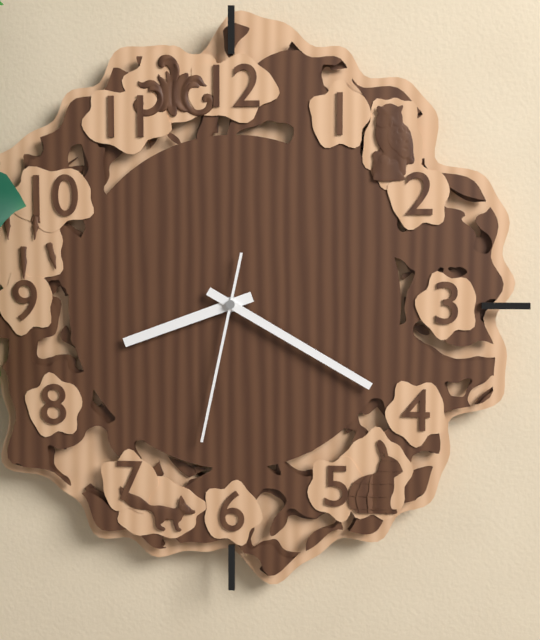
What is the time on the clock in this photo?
8:20:32
